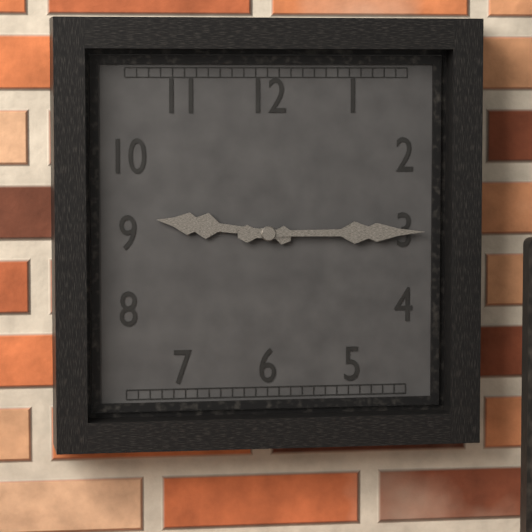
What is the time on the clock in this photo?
9:15
